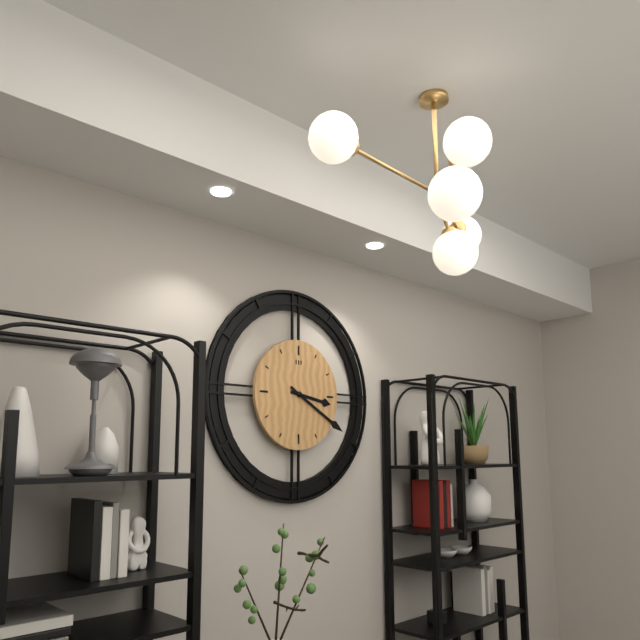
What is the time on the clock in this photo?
3:20
